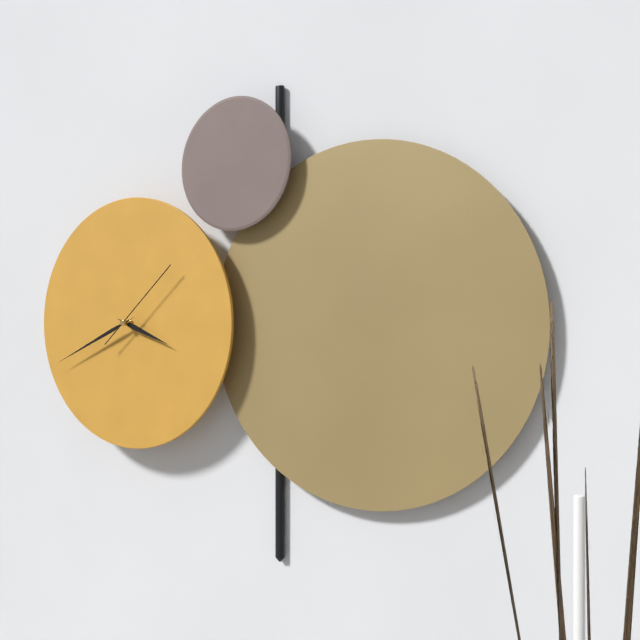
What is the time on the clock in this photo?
3:41:08
